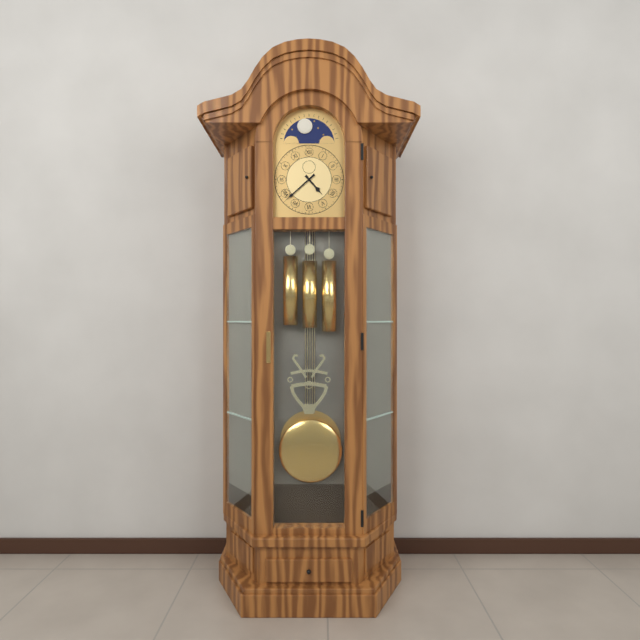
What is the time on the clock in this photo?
4:38
